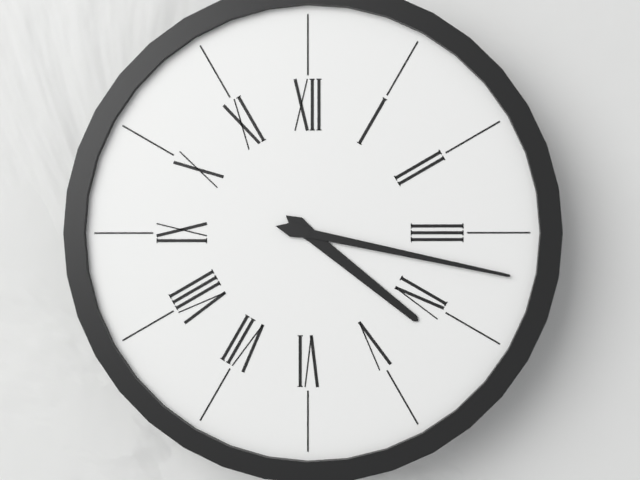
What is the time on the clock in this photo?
4:17
